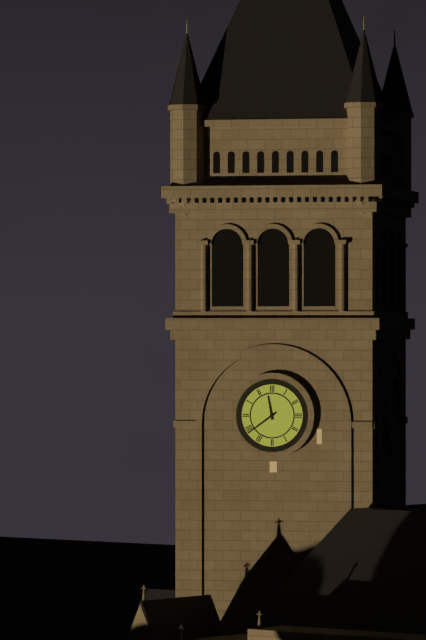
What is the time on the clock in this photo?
11:39
